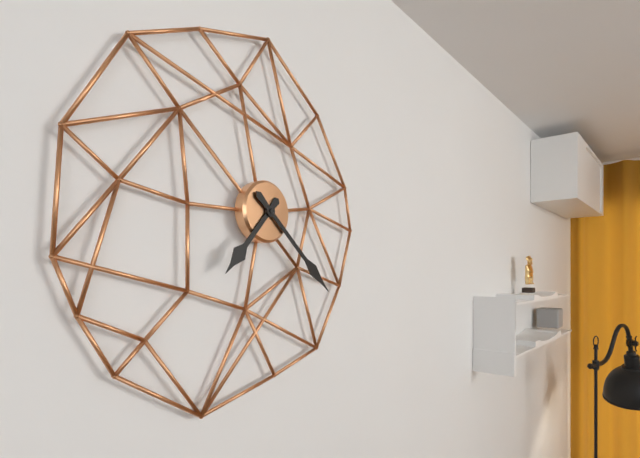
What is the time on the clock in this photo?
7:22
